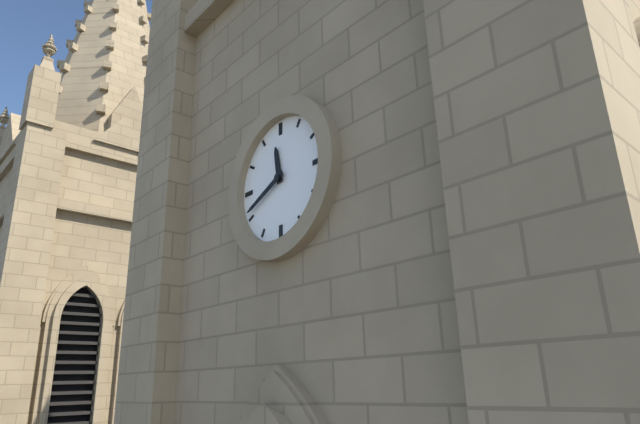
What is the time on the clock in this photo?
11:41
